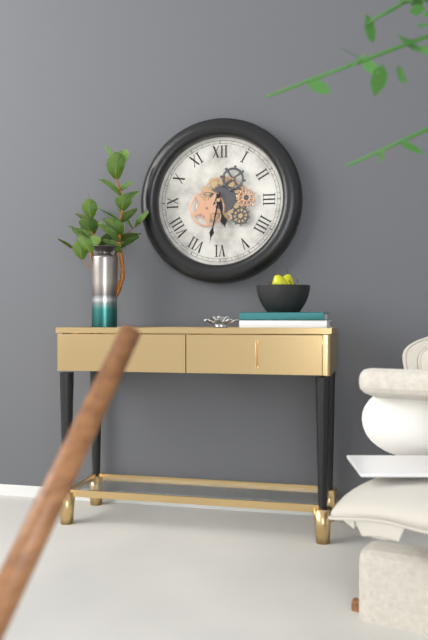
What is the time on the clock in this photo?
5:32
